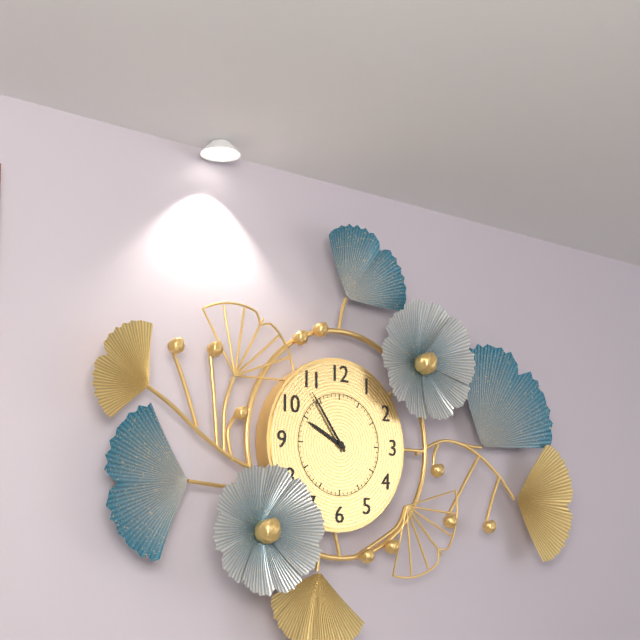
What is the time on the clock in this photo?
9:54
